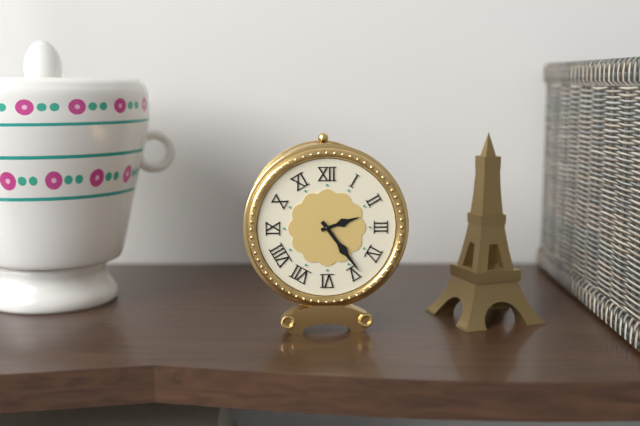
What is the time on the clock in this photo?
2:24
